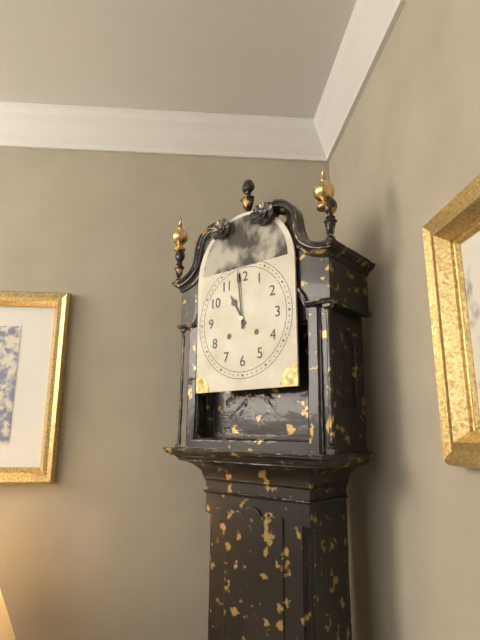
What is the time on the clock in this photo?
10:59
